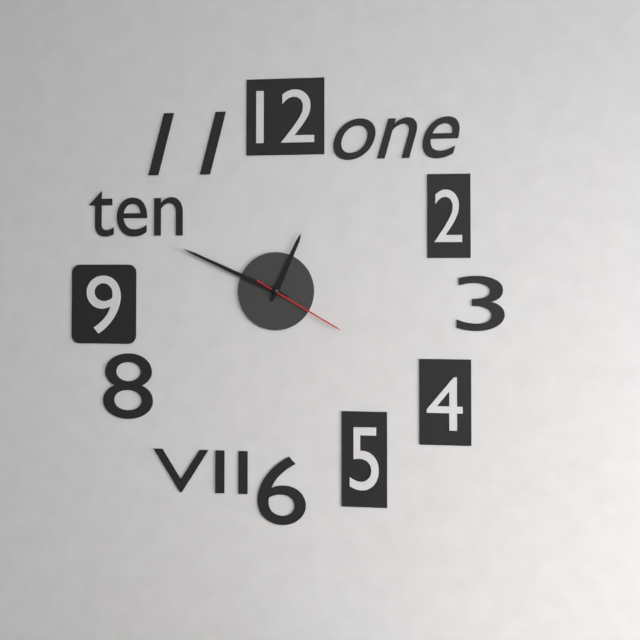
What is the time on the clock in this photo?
12:49:20
